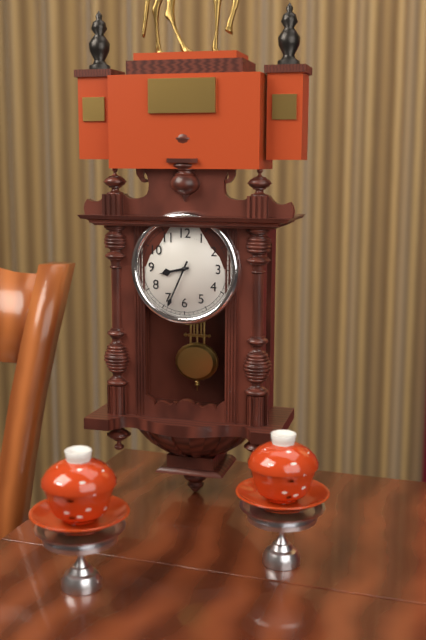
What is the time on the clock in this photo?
8:34
